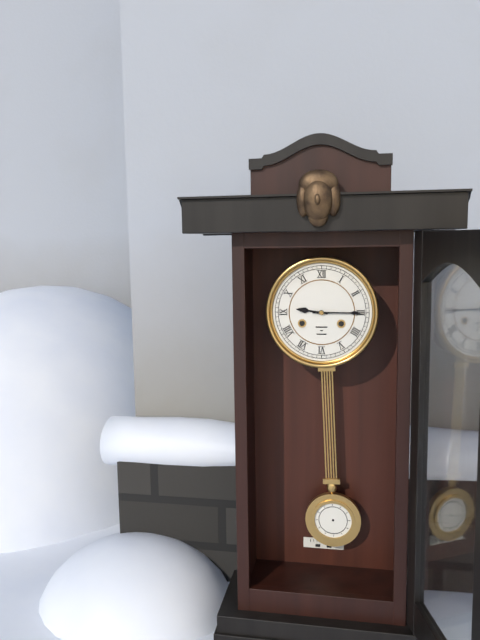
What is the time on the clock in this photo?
9:15
